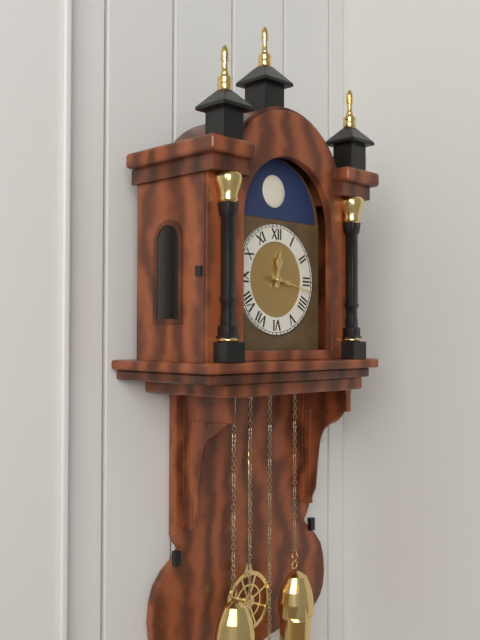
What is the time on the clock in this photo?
12:17
